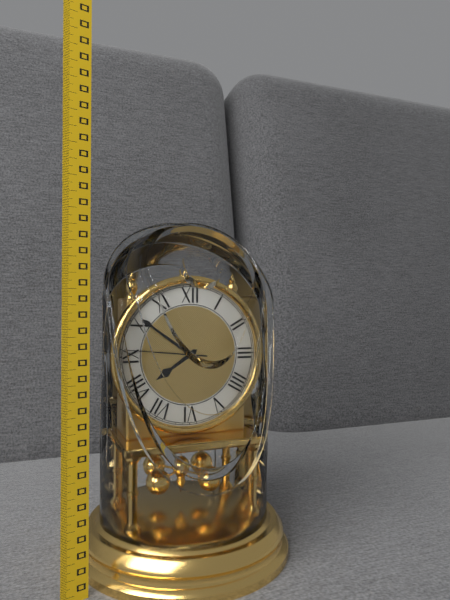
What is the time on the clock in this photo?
7:51:46
